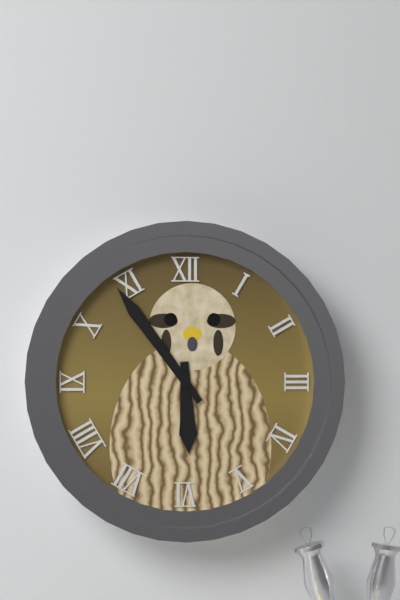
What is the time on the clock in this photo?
5:54
